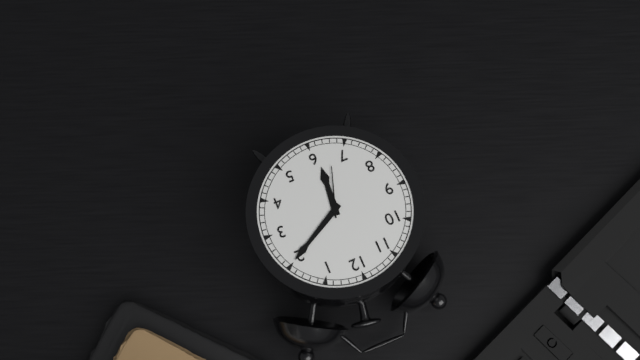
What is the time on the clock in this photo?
6:10:33
